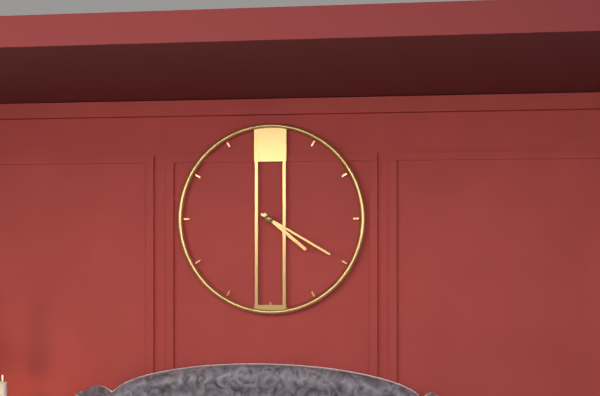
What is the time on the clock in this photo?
4:20
